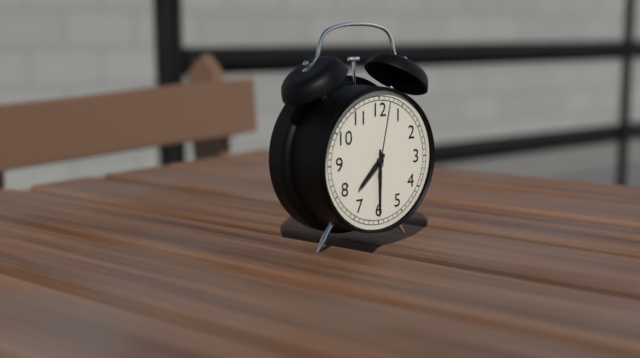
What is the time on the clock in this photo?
7:30:02
